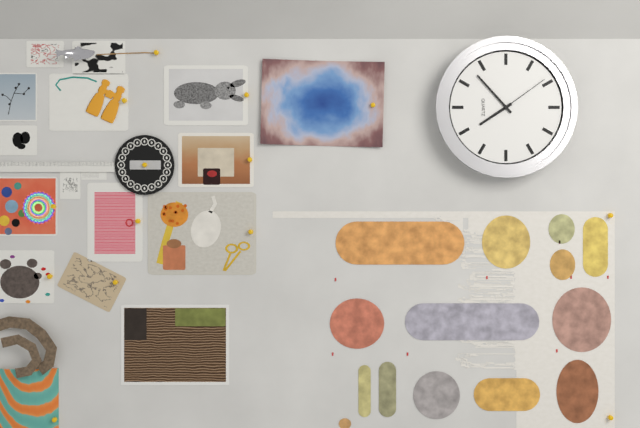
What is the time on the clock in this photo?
7:53:09
